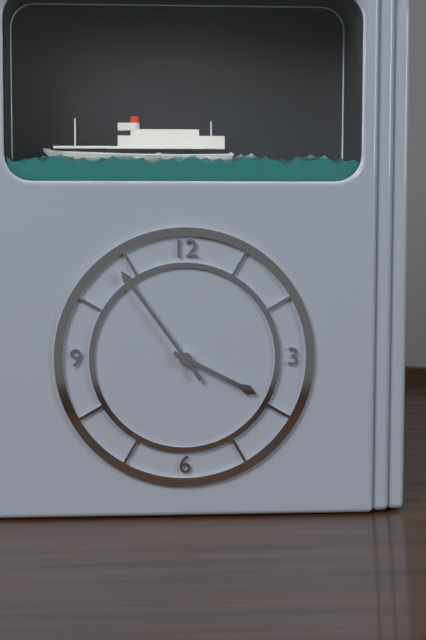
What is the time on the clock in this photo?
3:54
